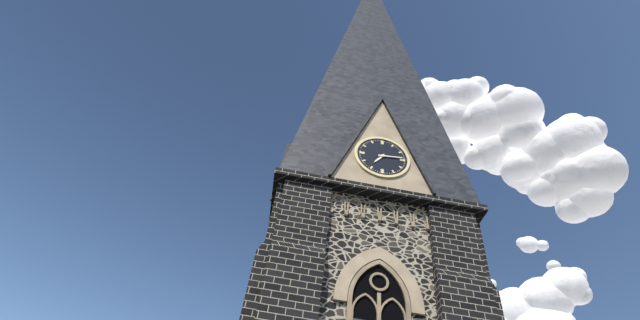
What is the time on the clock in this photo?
7:14
